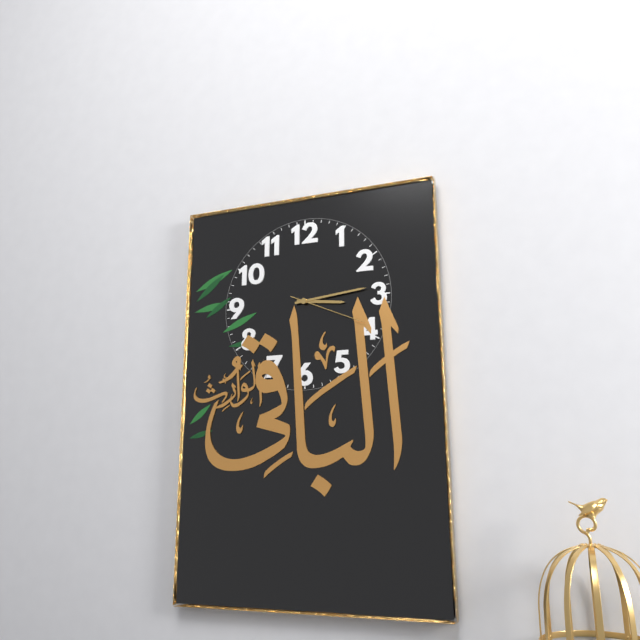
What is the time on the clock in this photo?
3:14:19
